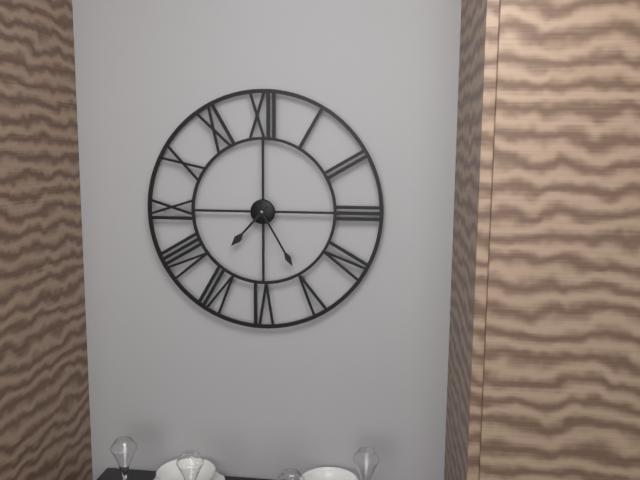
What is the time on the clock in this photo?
7:25
